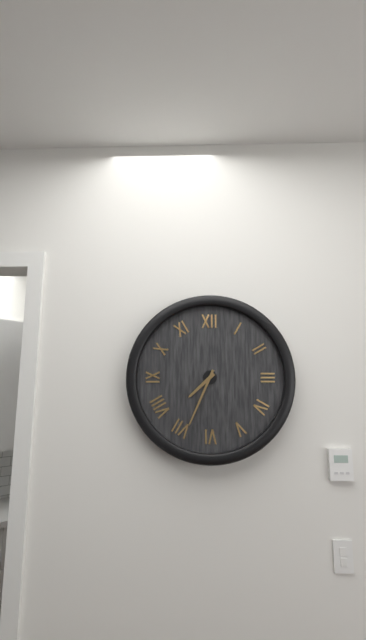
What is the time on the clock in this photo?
7:34
